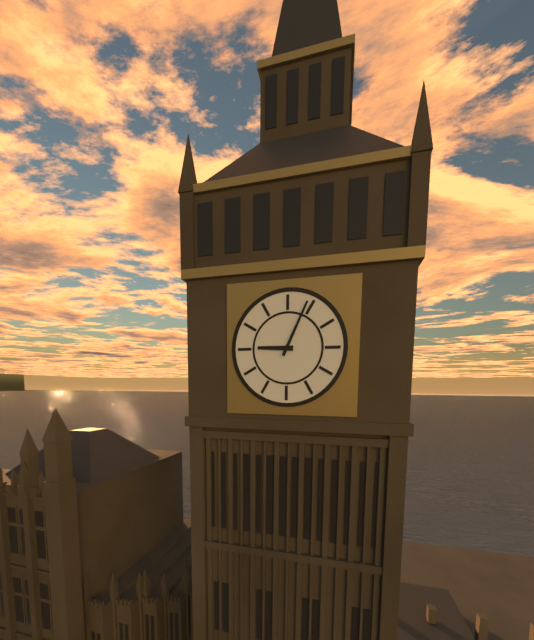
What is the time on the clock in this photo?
9:04
